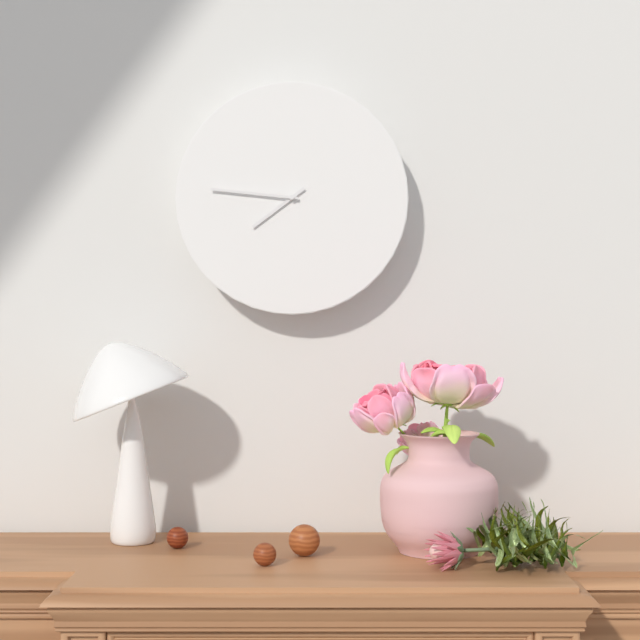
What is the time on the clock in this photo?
7:46
